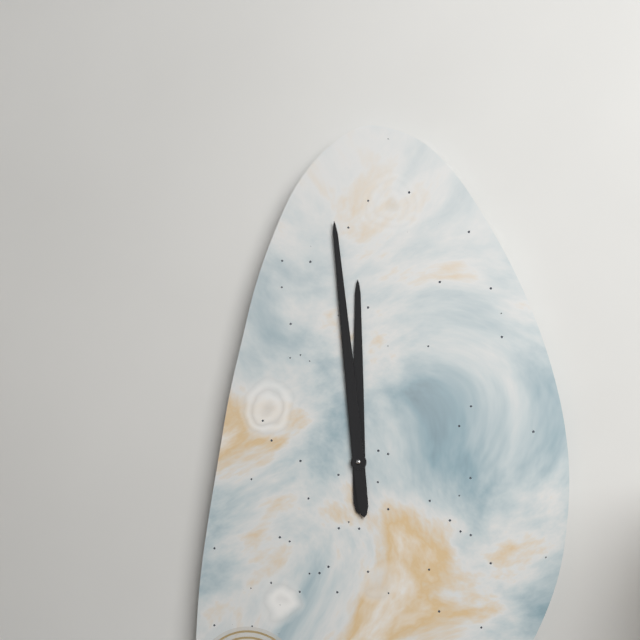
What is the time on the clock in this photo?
11:59
